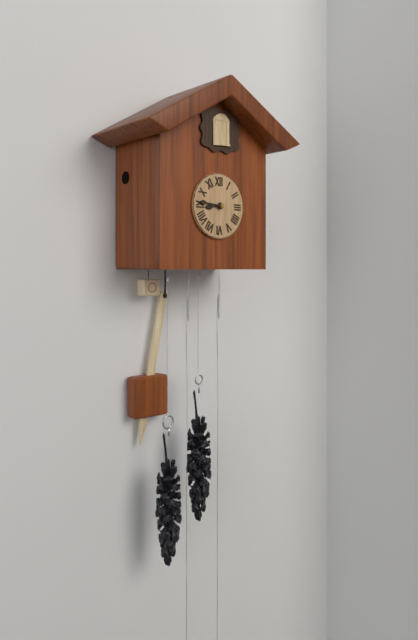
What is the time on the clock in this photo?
8:46
